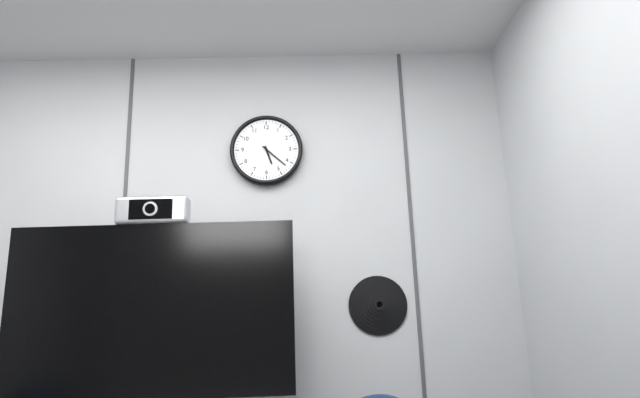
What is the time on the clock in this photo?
5:22
